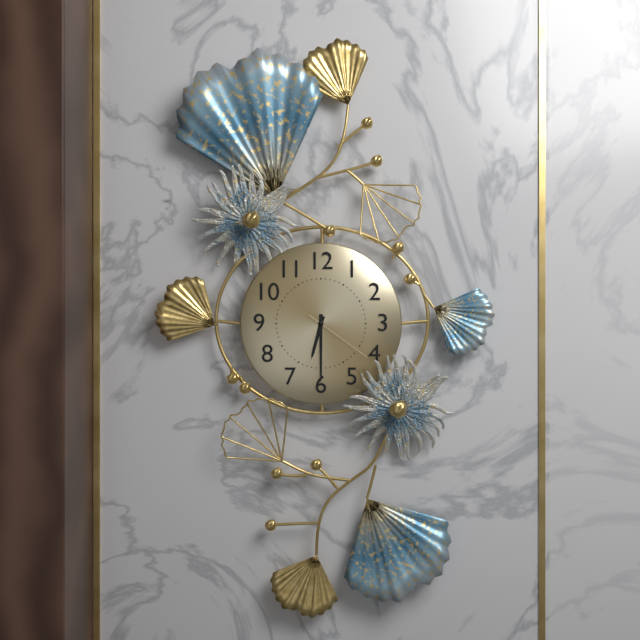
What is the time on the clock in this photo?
6:30:21
